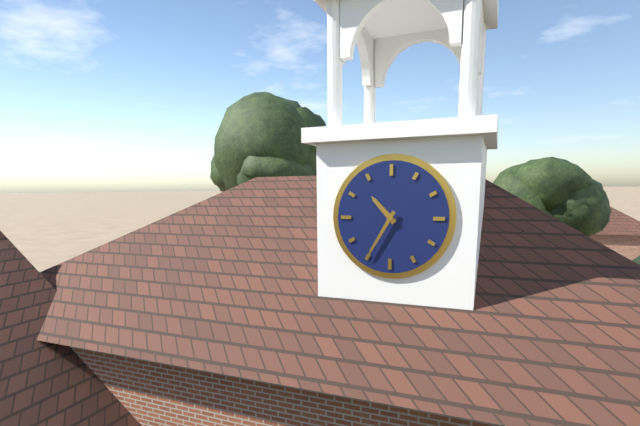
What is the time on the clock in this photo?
10:35
